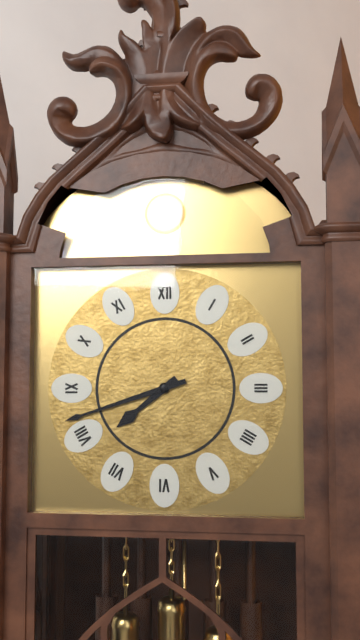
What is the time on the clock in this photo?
7:42
